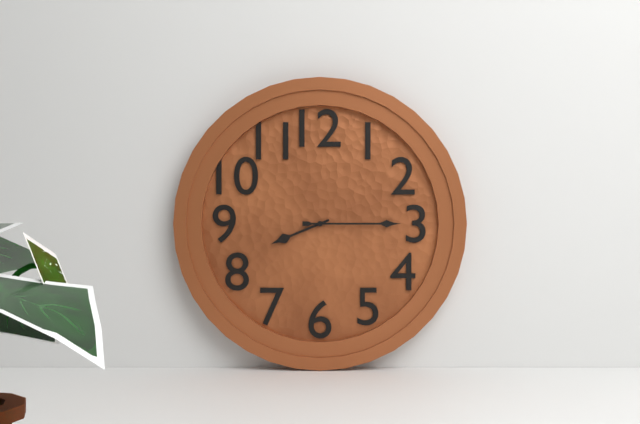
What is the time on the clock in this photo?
8:15
